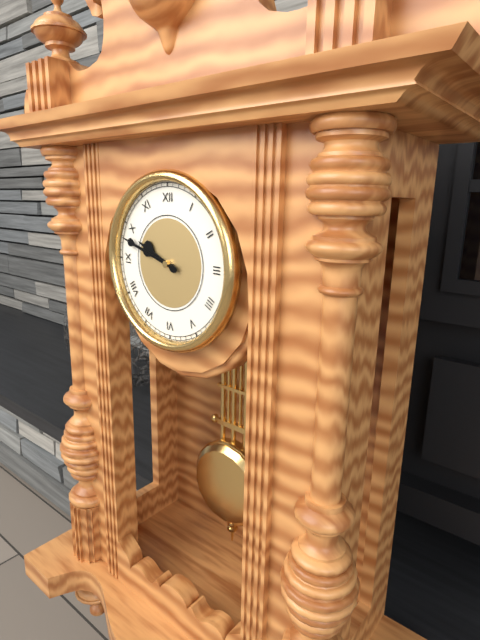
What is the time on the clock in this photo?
9:48
